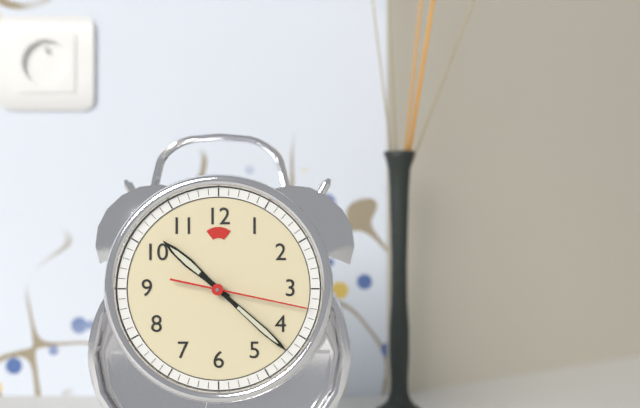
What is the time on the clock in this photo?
10:22:17
